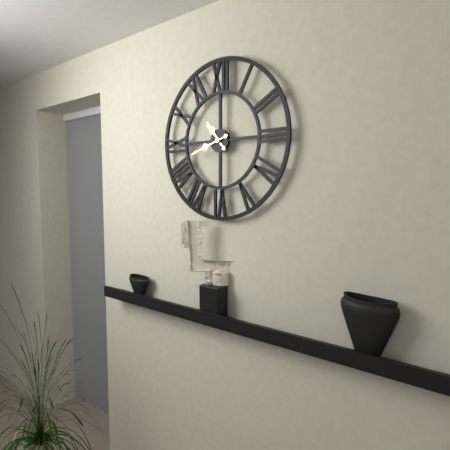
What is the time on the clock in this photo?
10:42
